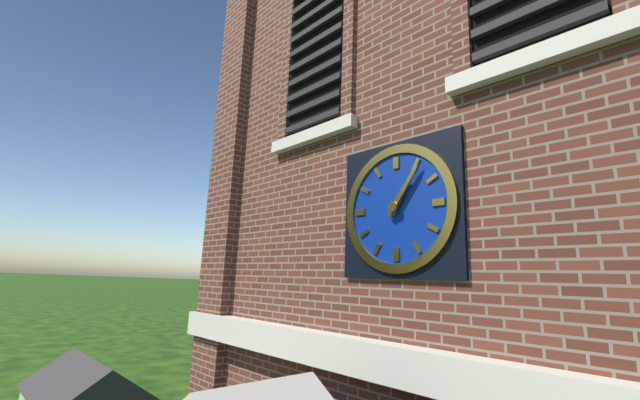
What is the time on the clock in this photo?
1:06
